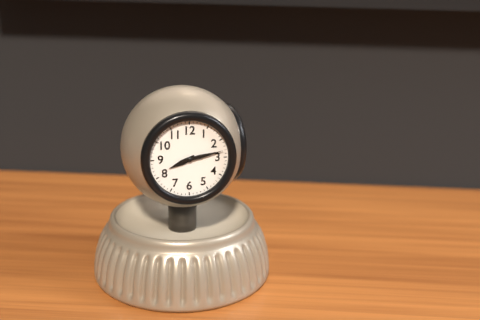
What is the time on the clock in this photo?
8:13
